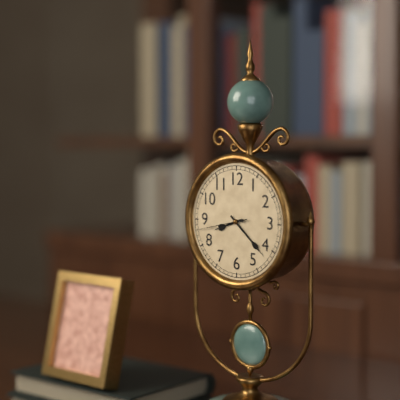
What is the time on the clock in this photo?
8:22
